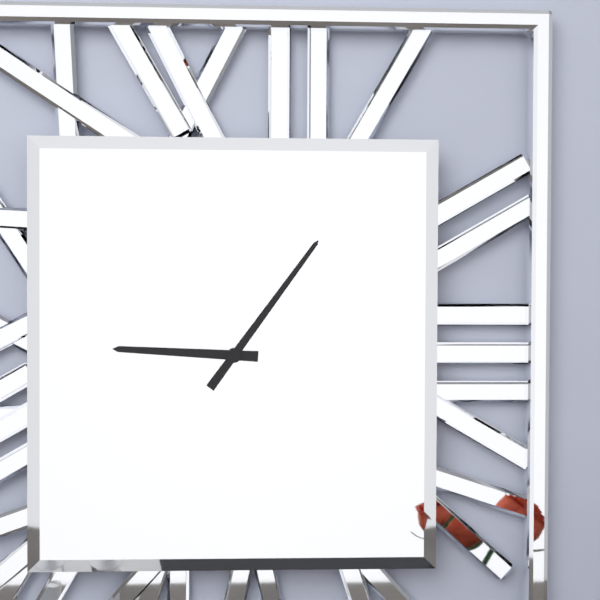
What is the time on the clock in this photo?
9:06
